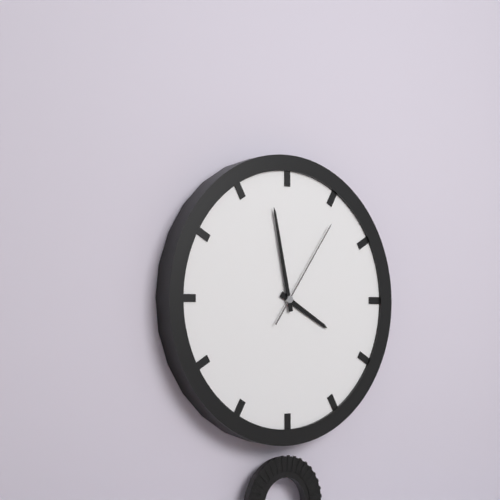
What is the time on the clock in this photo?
3:58:06
